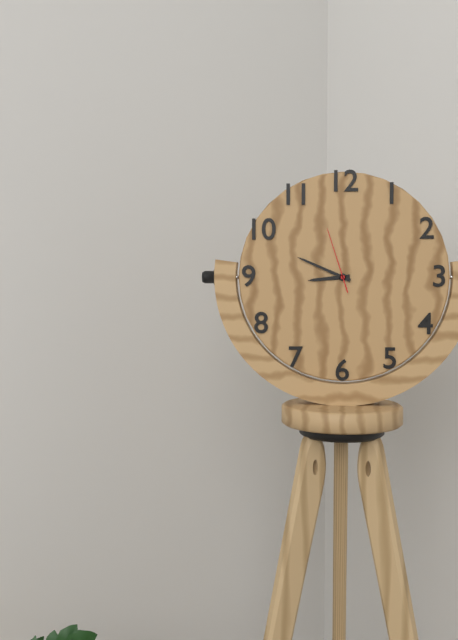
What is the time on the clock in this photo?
8:49:57
